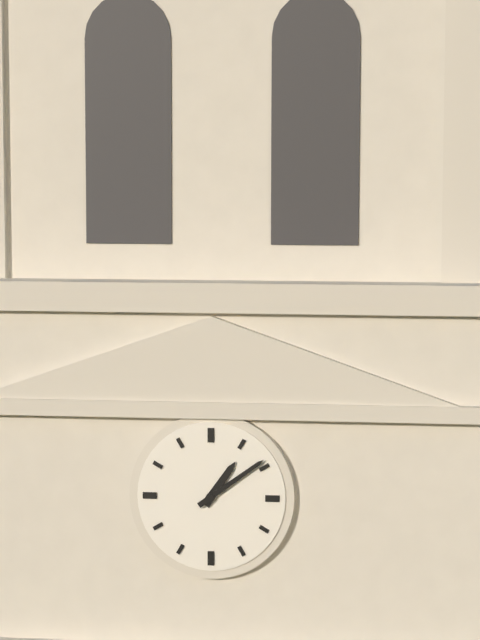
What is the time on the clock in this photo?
1:09
